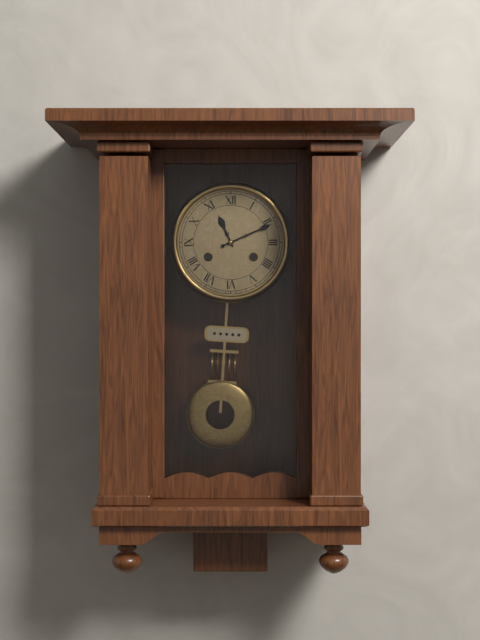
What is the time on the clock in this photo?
11:11
